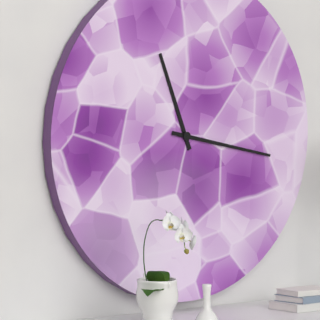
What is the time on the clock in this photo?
11:17
